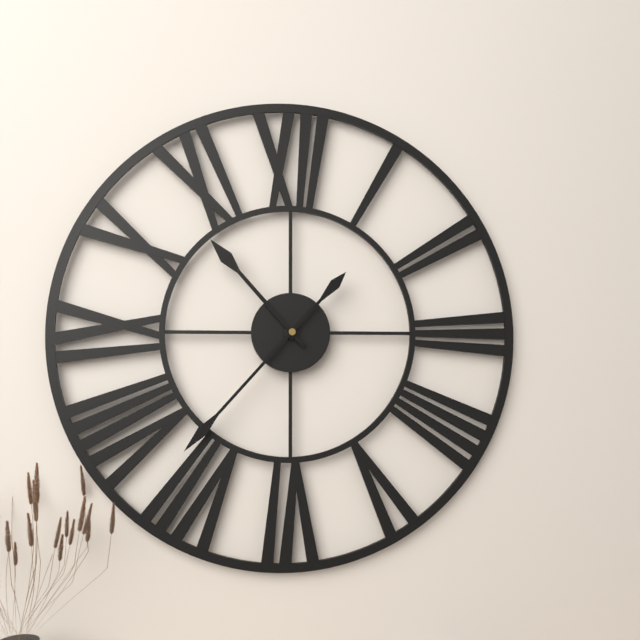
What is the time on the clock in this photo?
10:37
